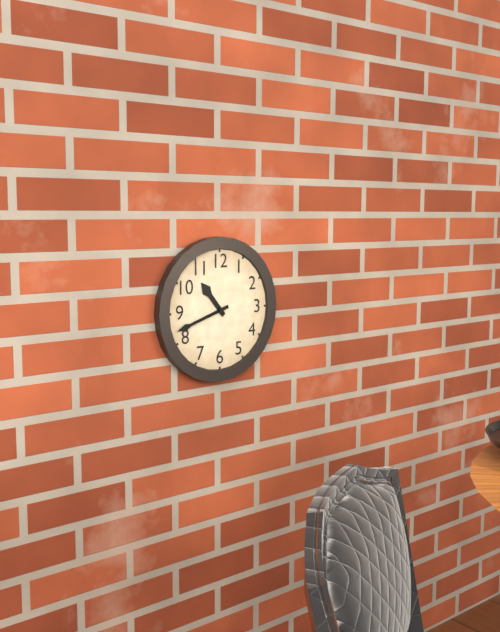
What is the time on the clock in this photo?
10:42
